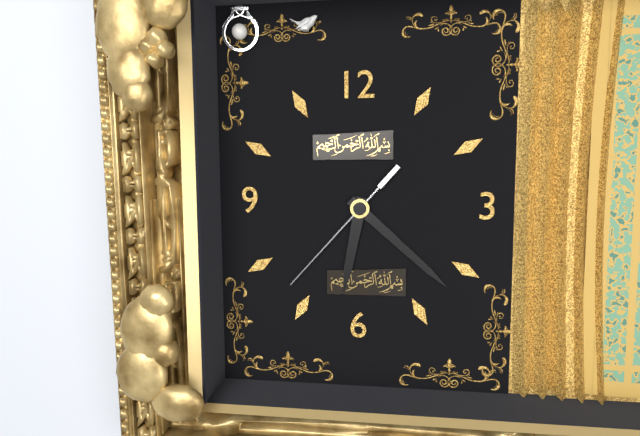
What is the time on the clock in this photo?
6:22:37
